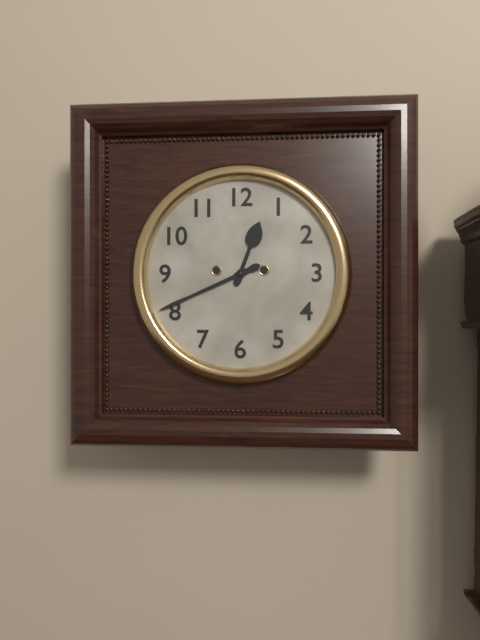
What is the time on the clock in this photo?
12:41
